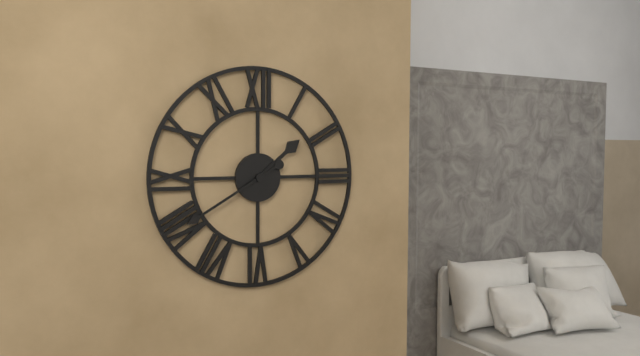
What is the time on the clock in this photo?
1:40
